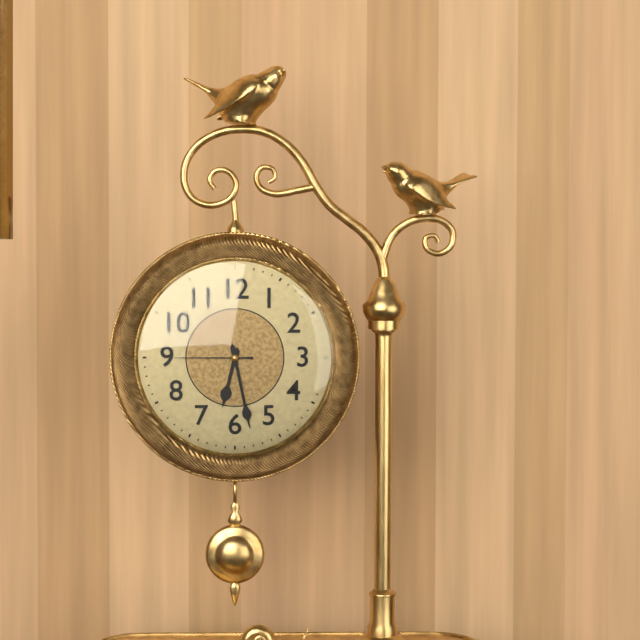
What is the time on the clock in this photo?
6:28:45
